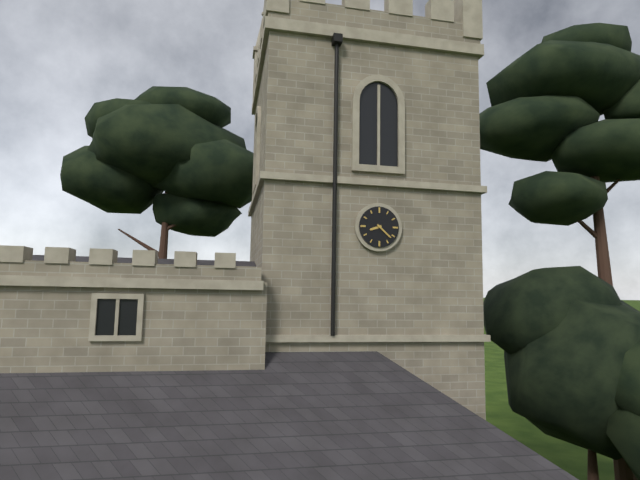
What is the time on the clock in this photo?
8:22
